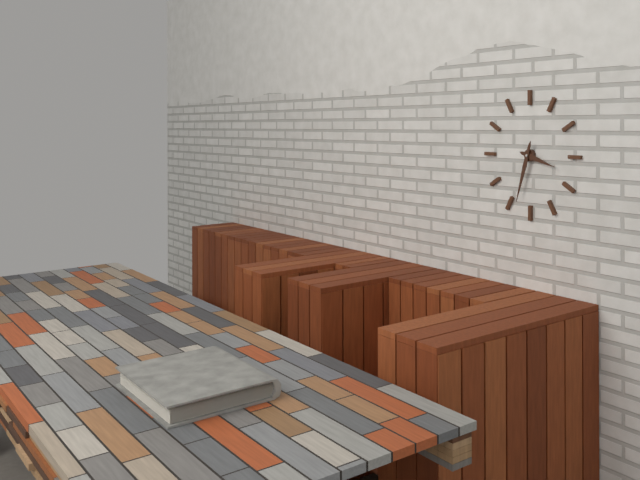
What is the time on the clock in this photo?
3:33
